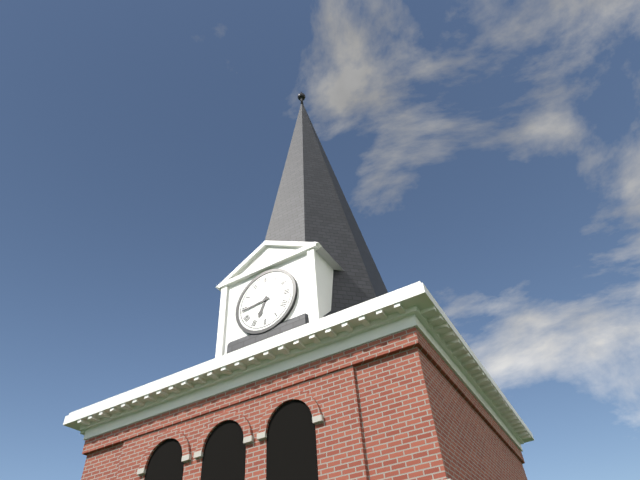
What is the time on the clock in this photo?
6:44
